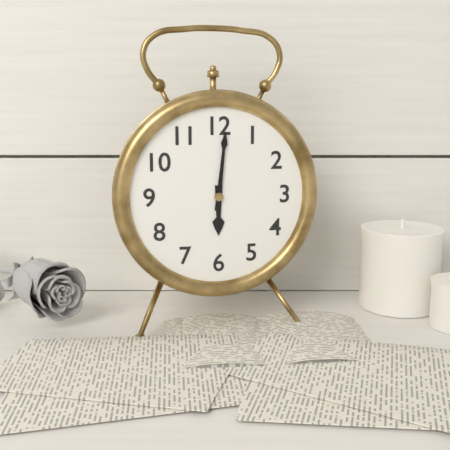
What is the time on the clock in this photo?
6:01
